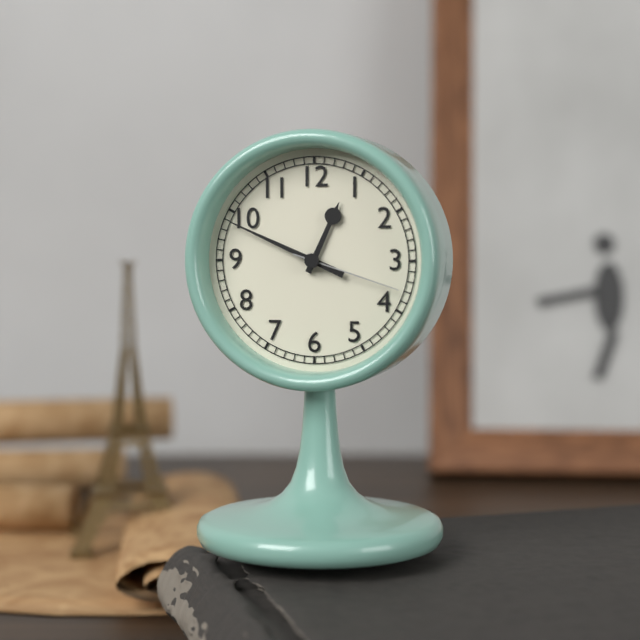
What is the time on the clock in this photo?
12:49:18
